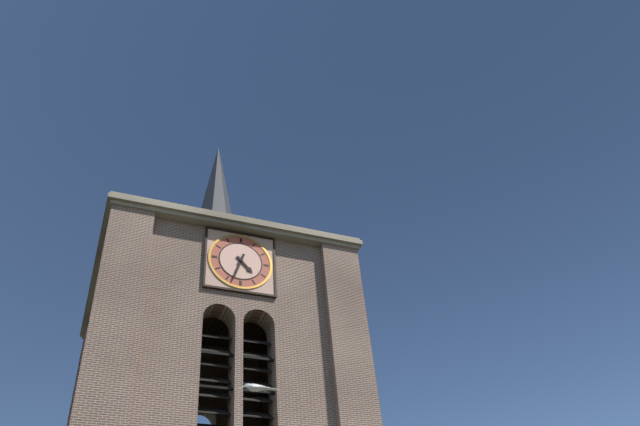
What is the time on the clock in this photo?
4:33
